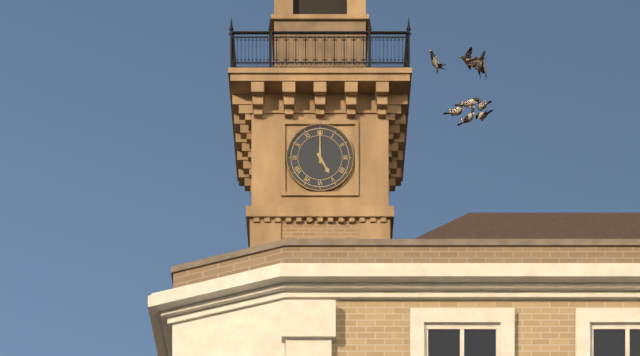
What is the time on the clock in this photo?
5:00
